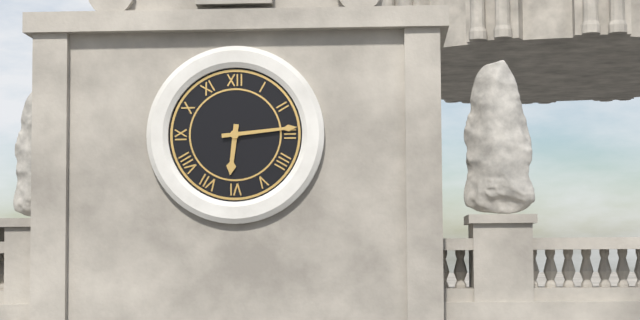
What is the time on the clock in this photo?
6:14
